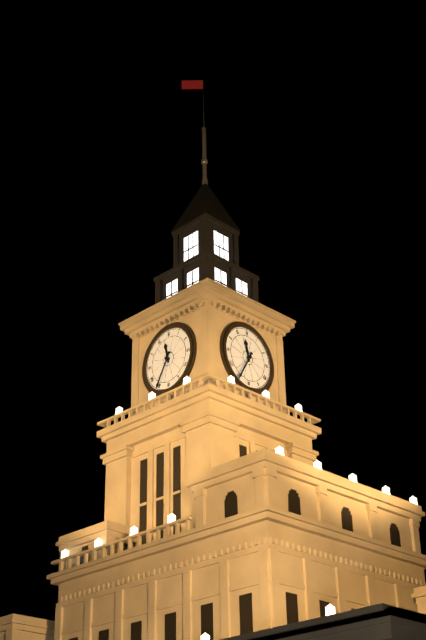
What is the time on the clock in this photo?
11:35
